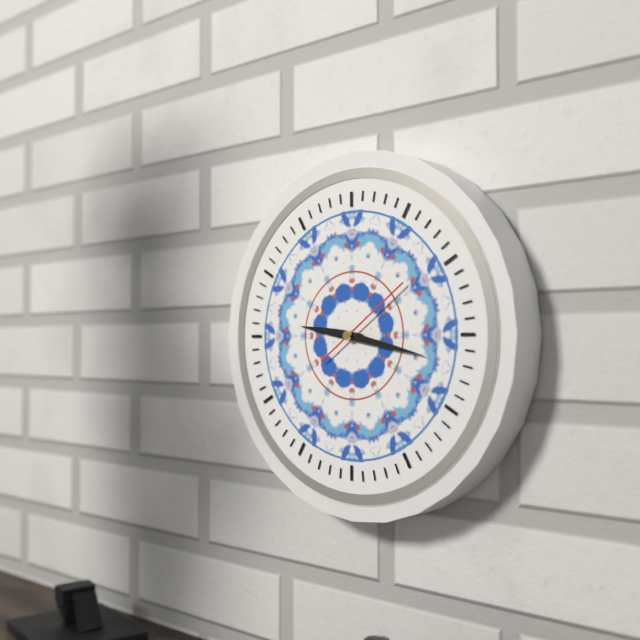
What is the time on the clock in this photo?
9:17:09
